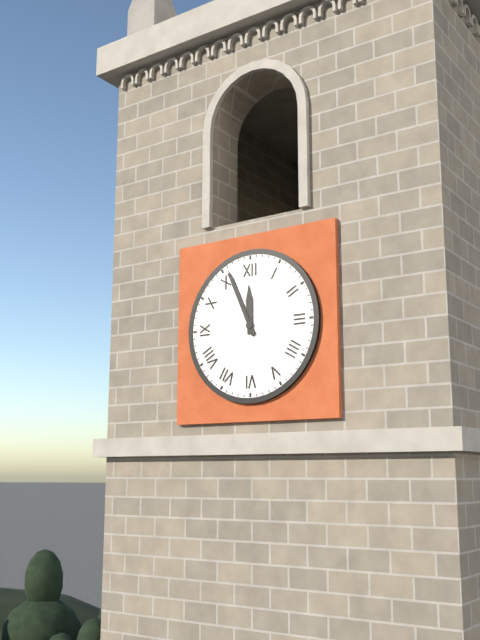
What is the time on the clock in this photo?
11:56
